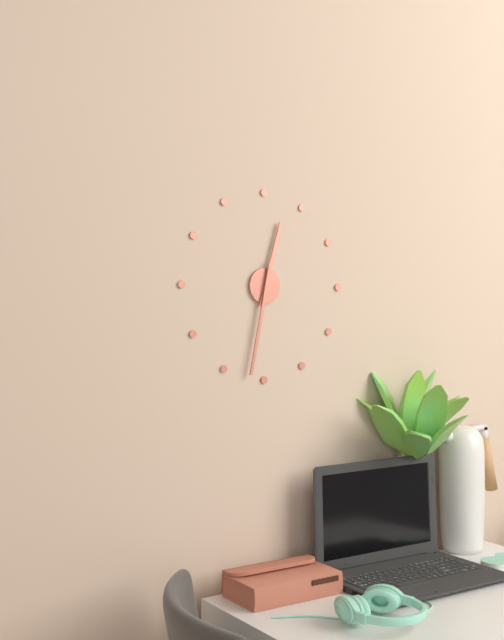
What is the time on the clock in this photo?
12:32
